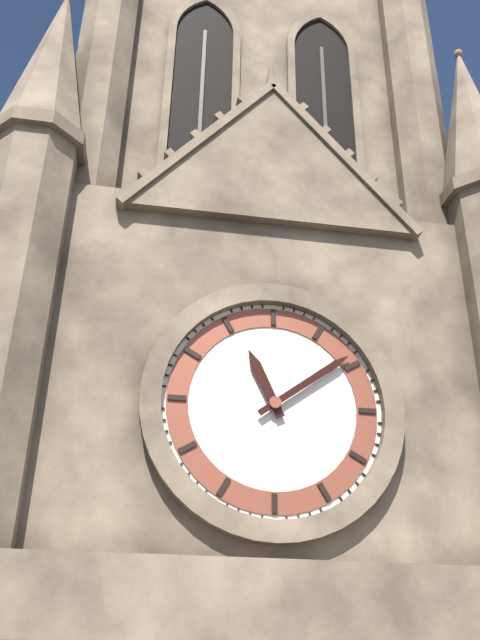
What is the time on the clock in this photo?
11:09
